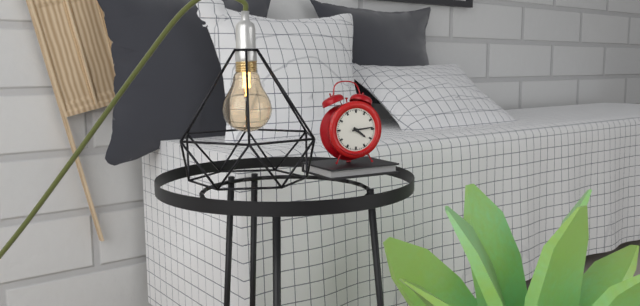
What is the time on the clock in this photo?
4:14
